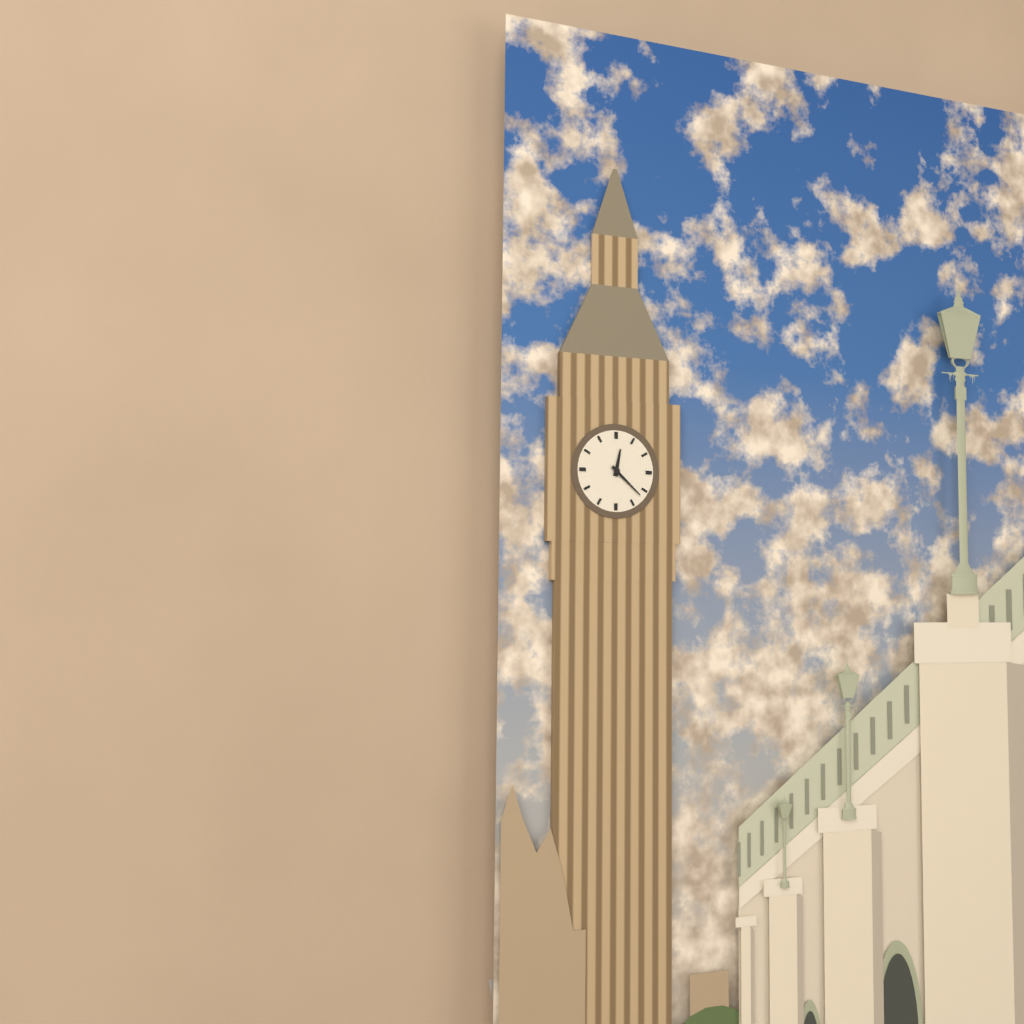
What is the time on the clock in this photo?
12:22
